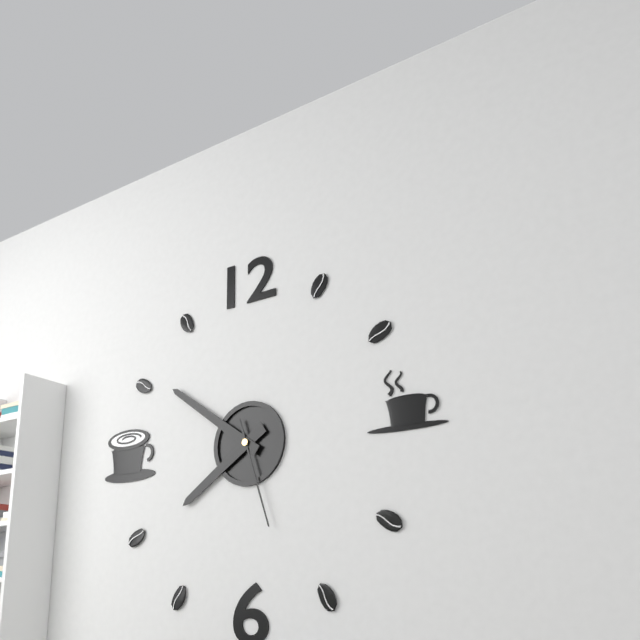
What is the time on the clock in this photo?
7:51:27
